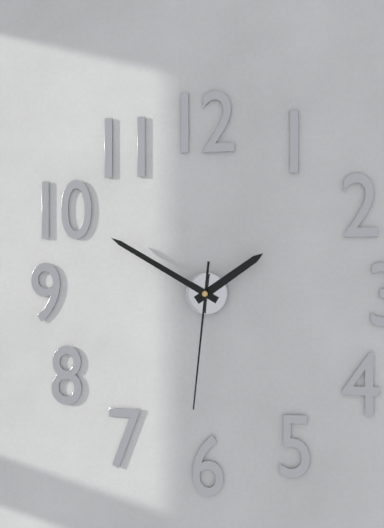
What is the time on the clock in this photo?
1:50:31
